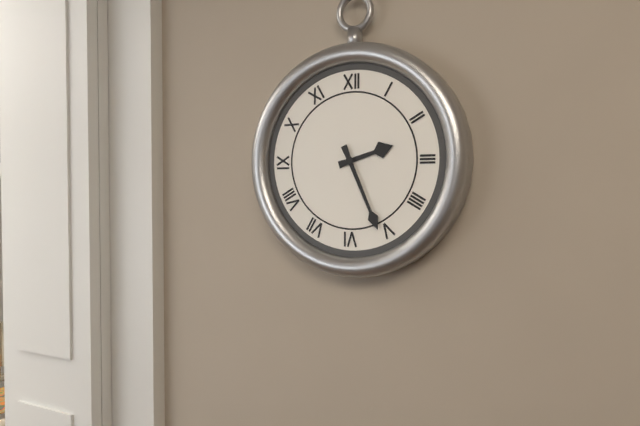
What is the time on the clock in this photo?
2:26
